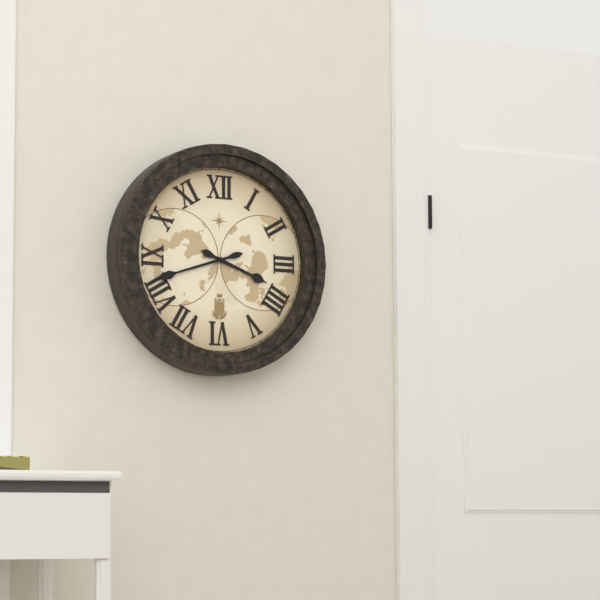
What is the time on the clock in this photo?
3:42
